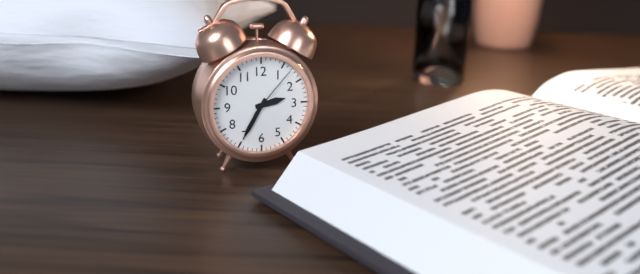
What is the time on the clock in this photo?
2:35:07
